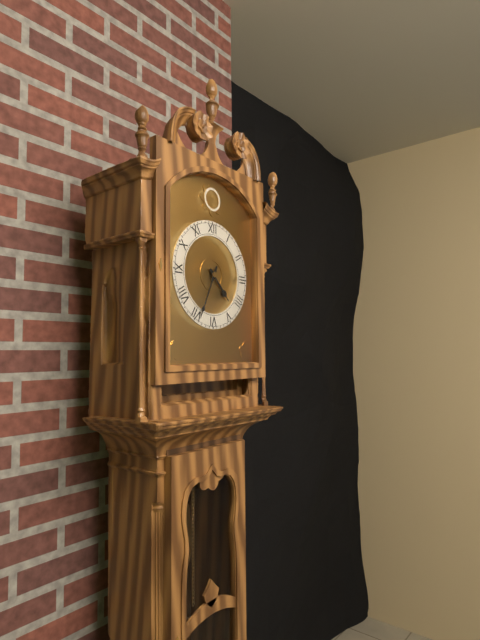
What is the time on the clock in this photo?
4:34
